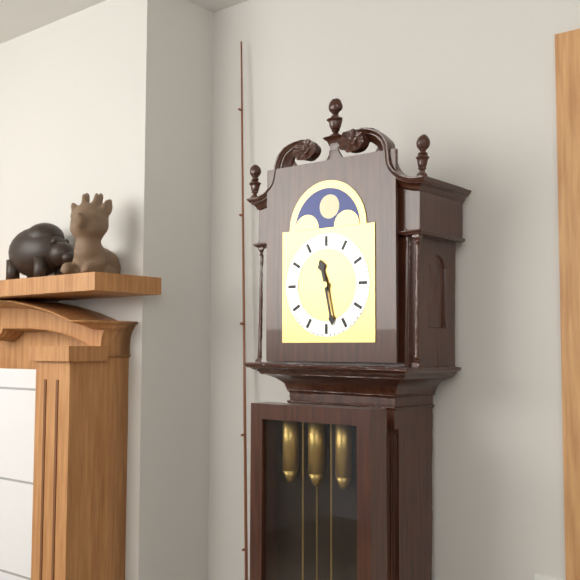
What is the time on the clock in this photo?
11:28
